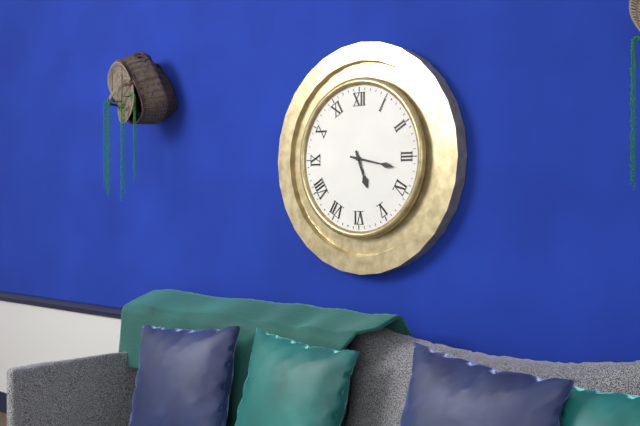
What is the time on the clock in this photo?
5:17
